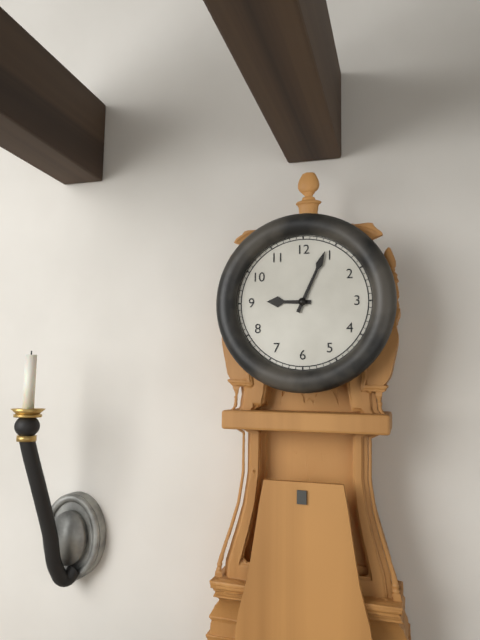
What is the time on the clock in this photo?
9:04
